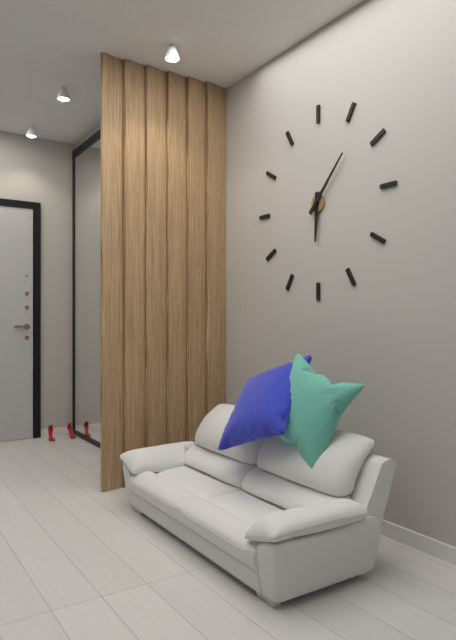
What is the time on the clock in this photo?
6:07
